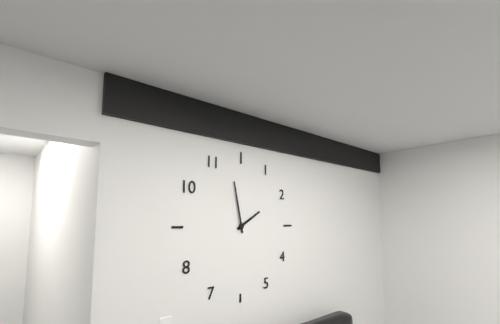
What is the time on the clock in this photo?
1:58
